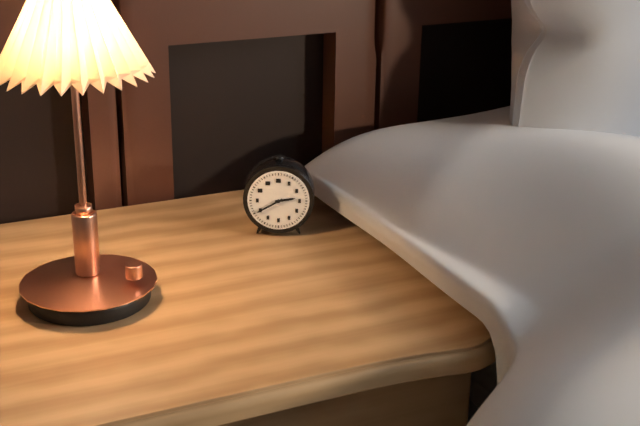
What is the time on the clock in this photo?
2:40
